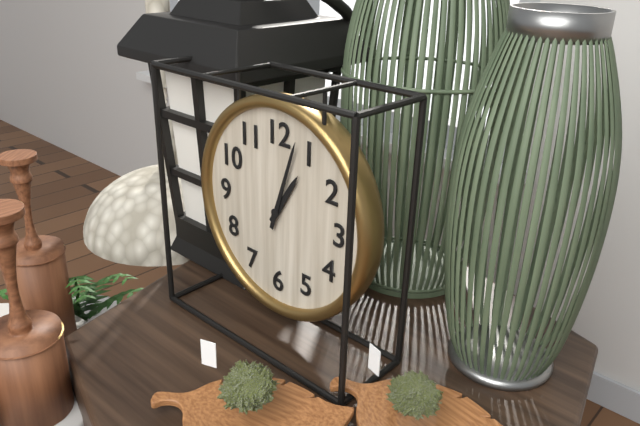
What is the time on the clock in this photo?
1:03
